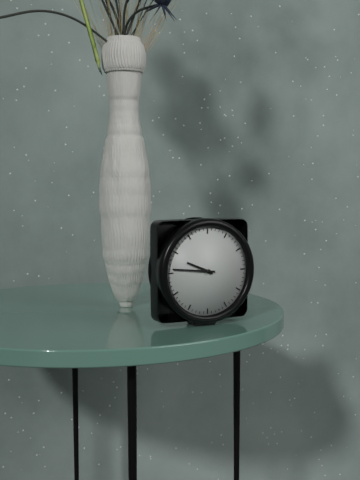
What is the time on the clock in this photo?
9:46
